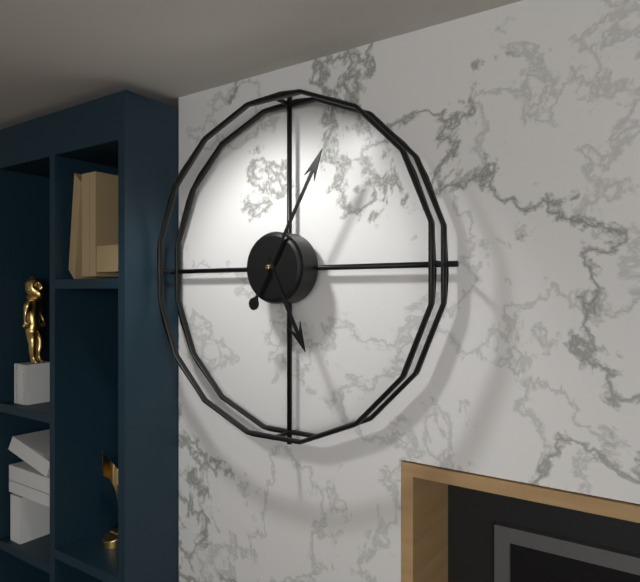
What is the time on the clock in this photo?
5:05
